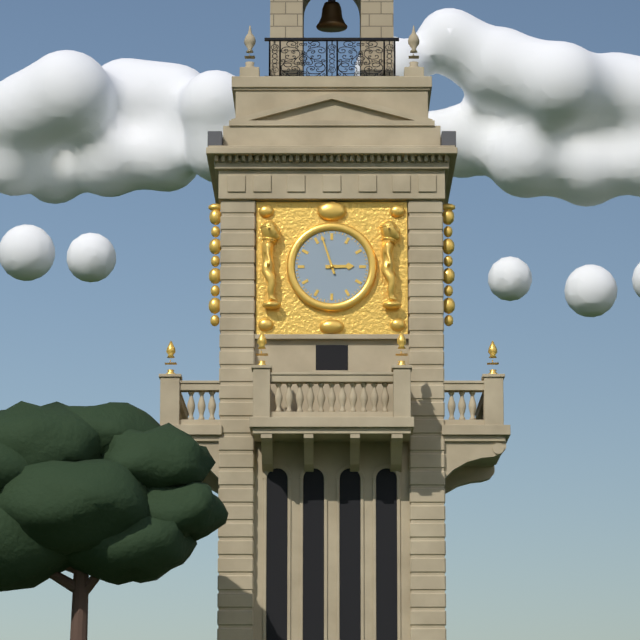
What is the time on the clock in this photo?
2:57
